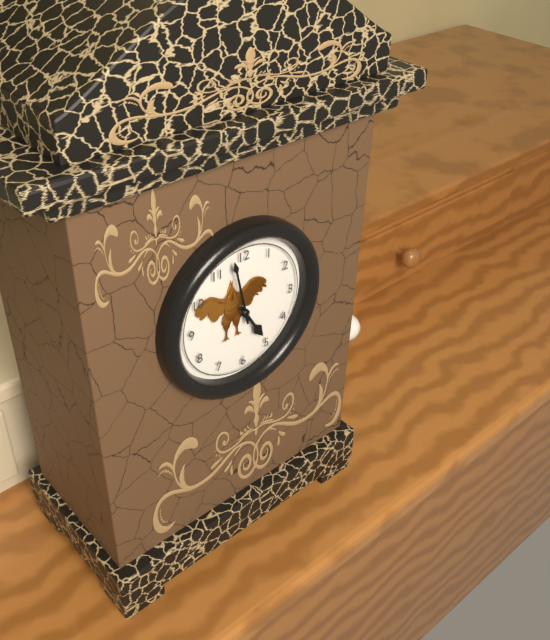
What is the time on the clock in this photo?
4:58
